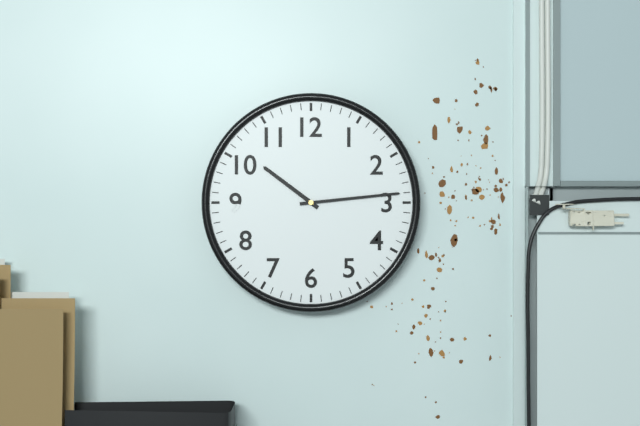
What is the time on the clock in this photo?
10:14
